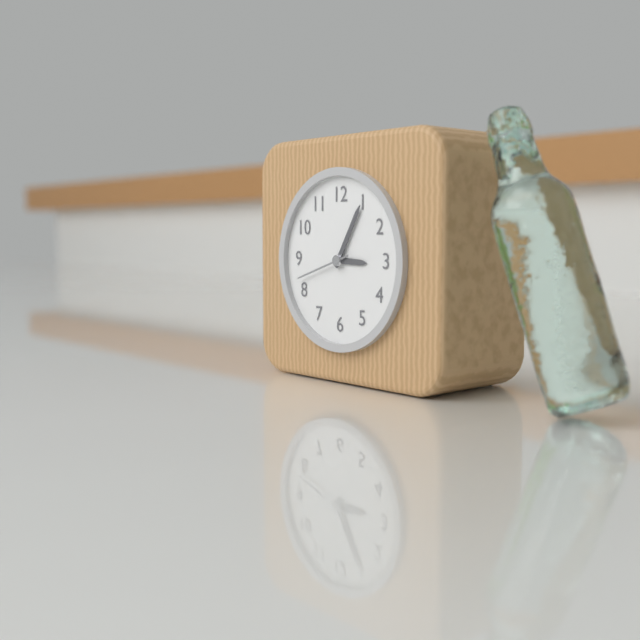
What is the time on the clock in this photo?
3:05:42
